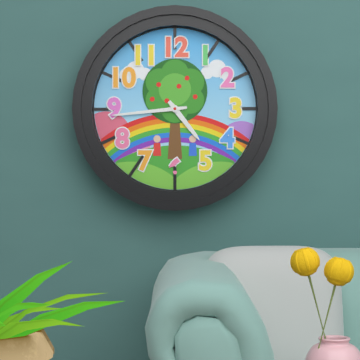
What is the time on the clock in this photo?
4:44
